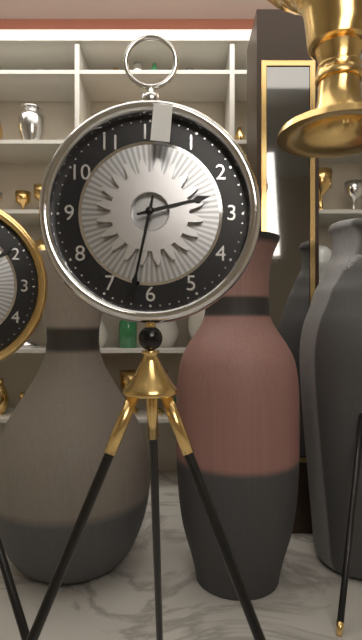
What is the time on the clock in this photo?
2:32
